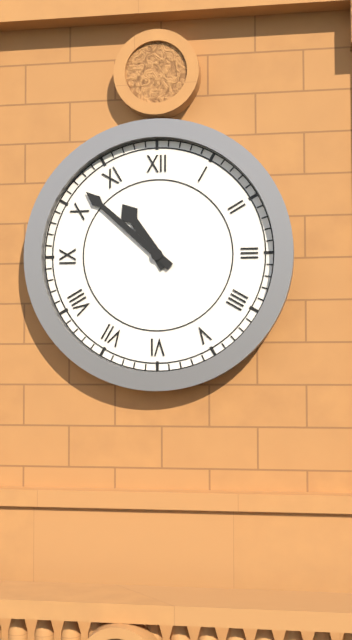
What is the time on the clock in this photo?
10:52
